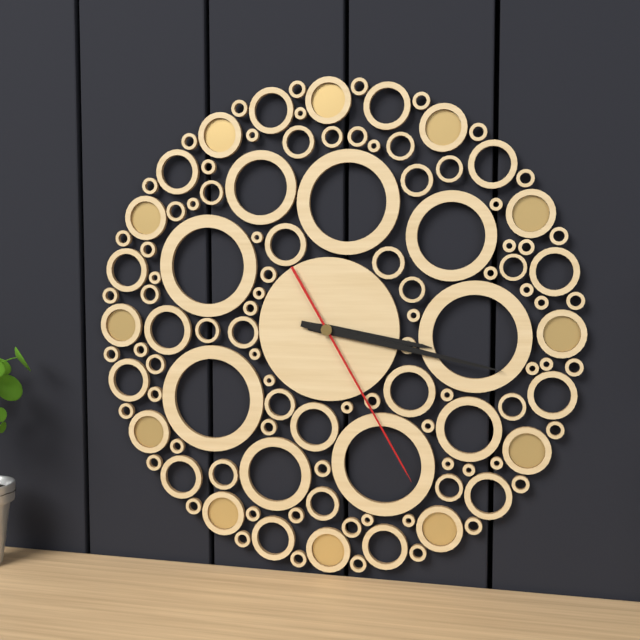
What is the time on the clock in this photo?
3:17:25
